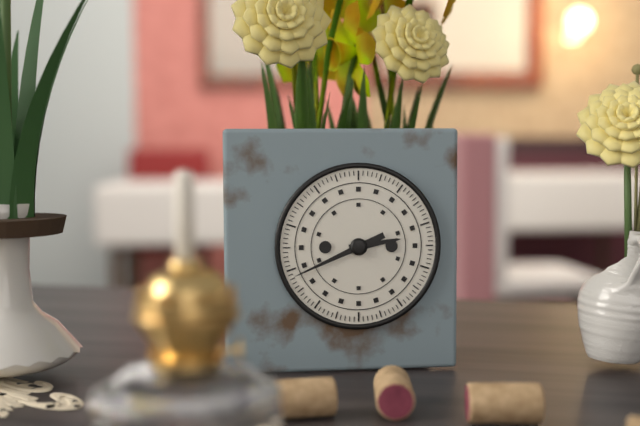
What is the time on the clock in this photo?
2:41
